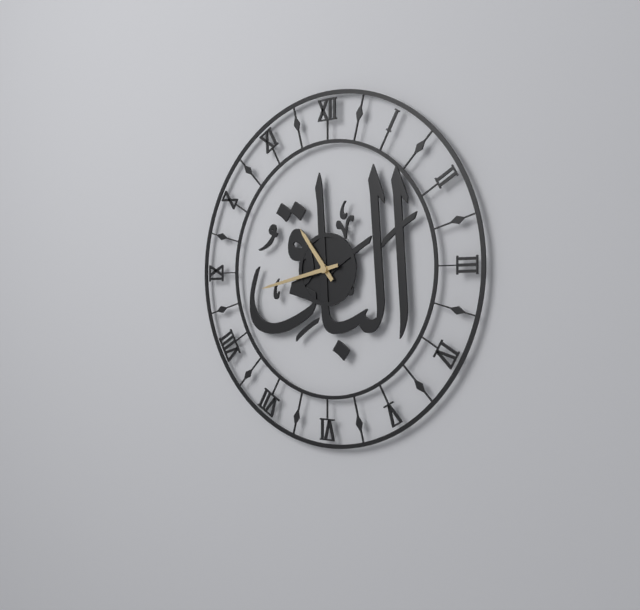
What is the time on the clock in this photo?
10:43
